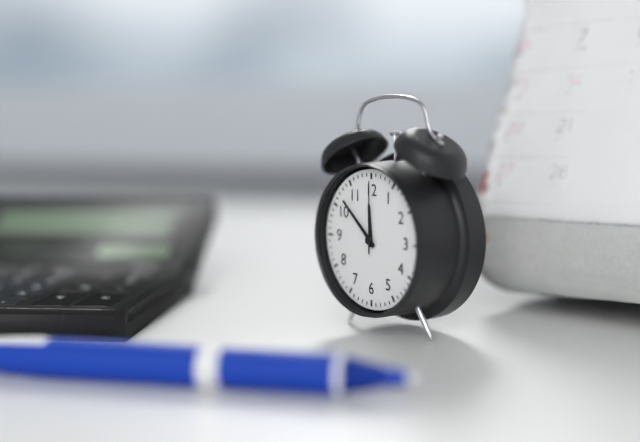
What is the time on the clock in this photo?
11:52:00
